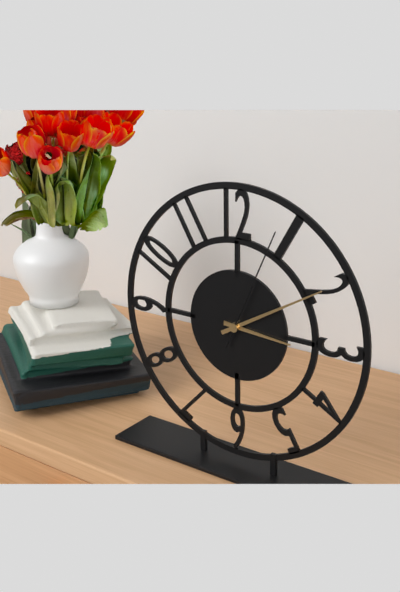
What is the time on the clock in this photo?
3:10:04
